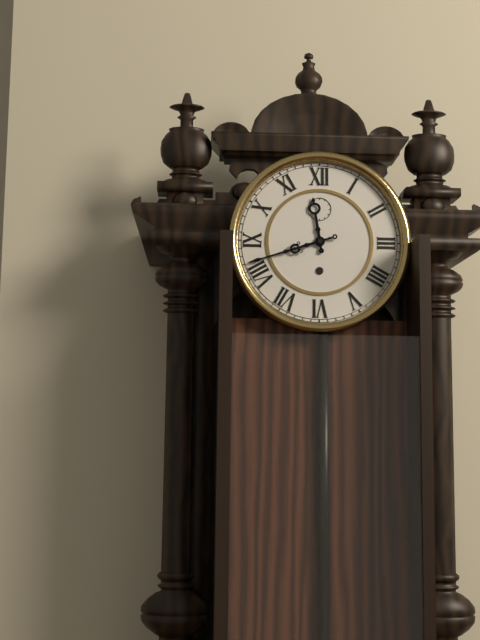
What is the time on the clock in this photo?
11:42
